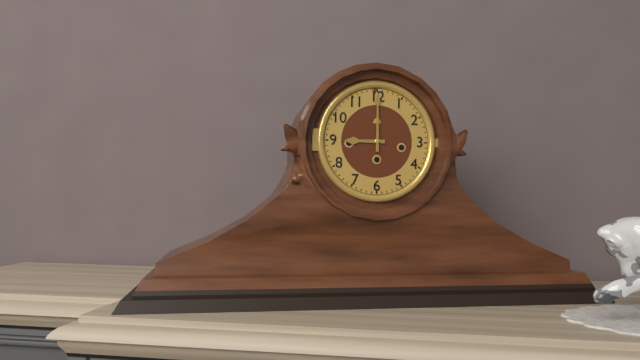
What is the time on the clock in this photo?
9:00
